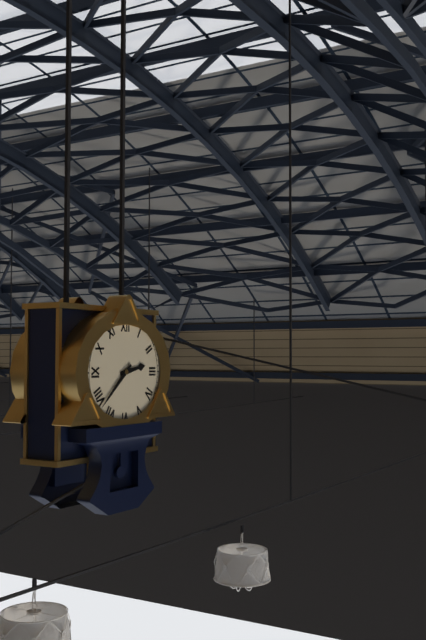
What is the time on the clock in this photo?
2:38
